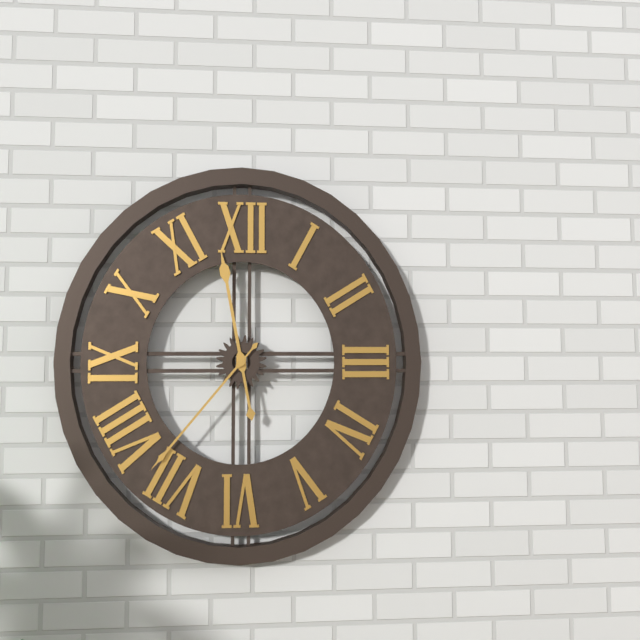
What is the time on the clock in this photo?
11:37
